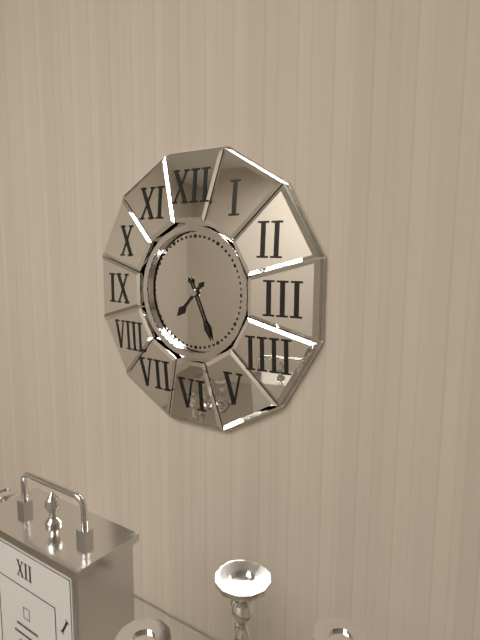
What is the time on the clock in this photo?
7:26
